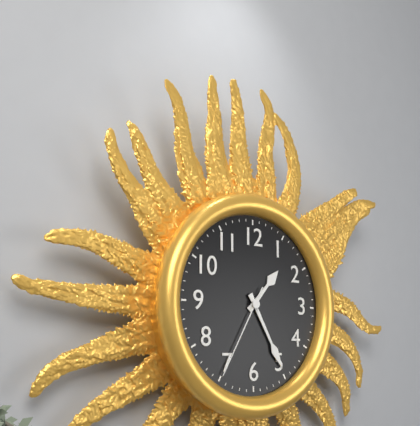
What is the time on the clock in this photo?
1:25:35
